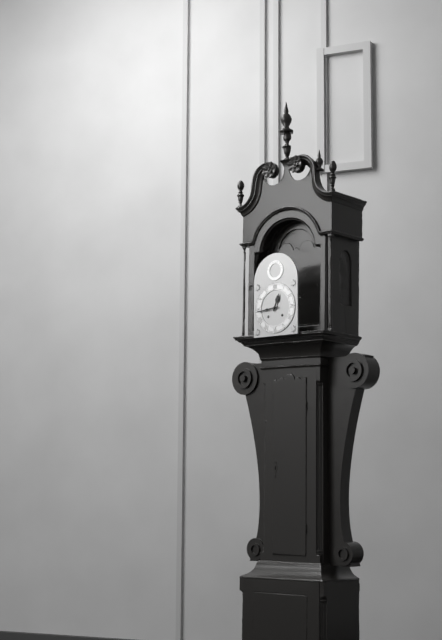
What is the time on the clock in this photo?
12:44
